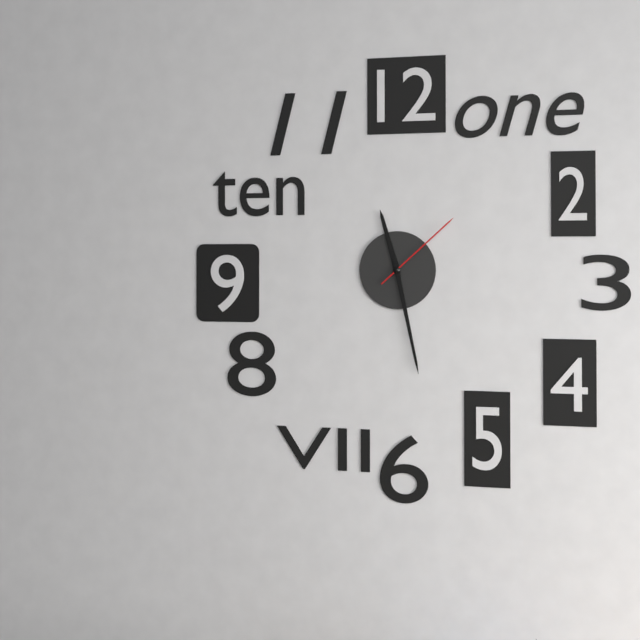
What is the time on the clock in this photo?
11:28:08
